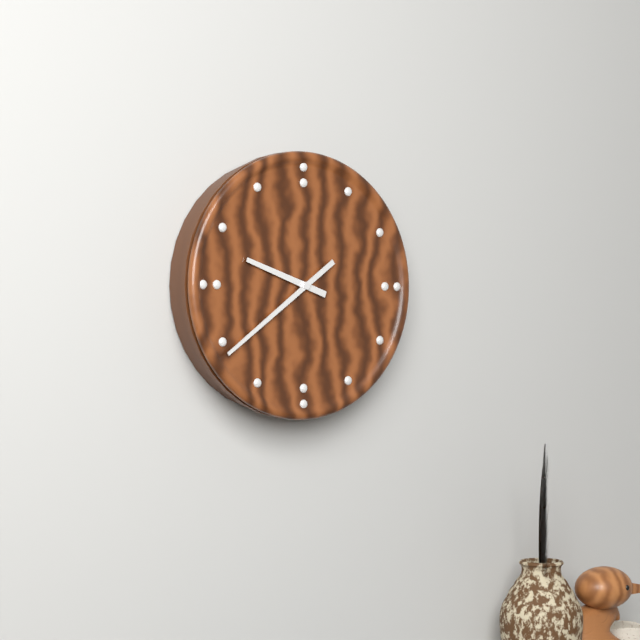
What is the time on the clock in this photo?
9:39
